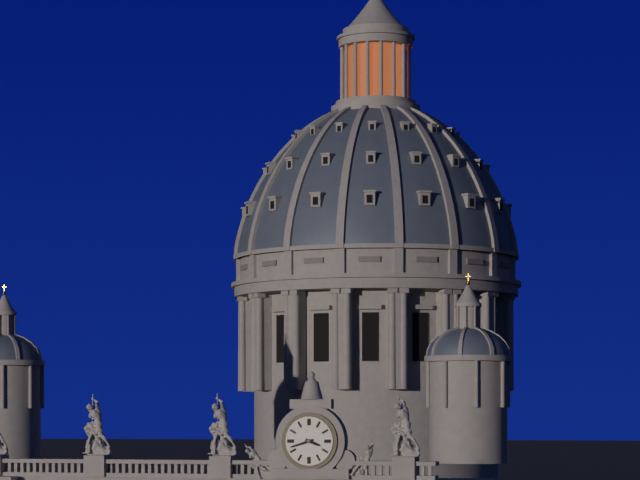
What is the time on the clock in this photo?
3:42
